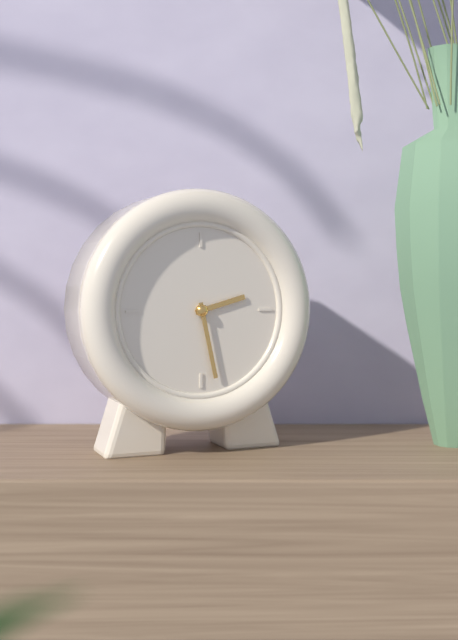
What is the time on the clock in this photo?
2:28
